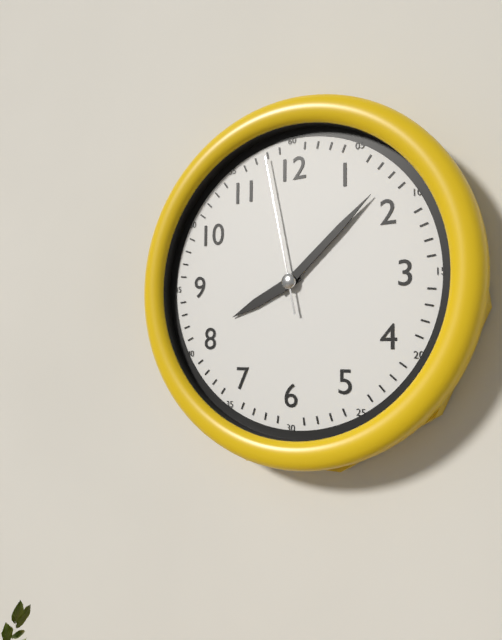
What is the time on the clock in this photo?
8:08:58
